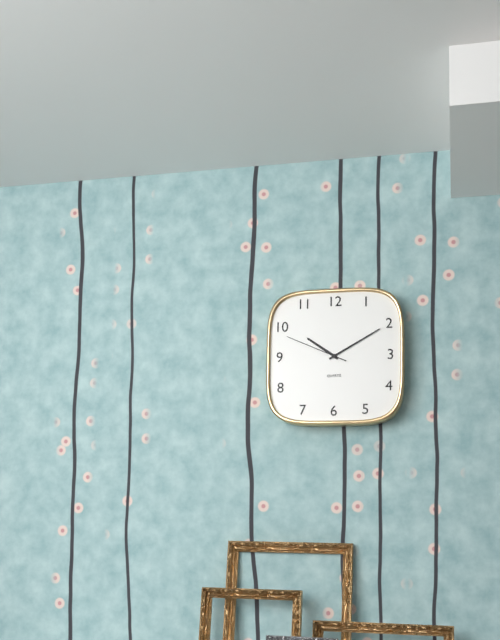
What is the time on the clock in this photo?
10:10:49
